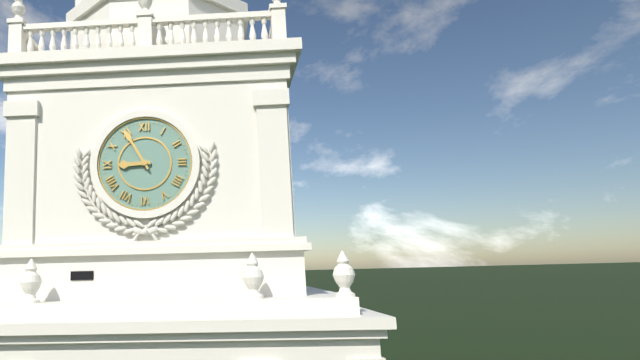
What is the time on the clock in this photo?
8:55
